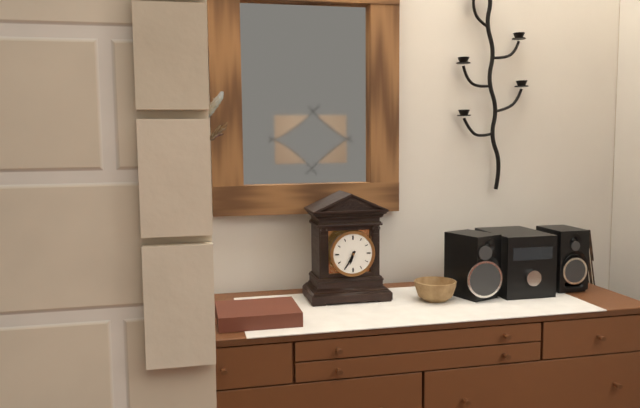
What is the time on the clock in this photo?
6:35
